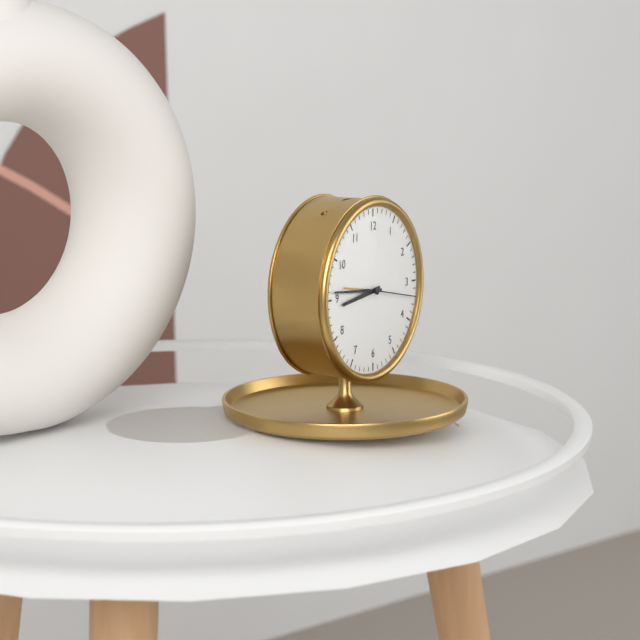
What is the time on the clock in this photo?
8:46:17
